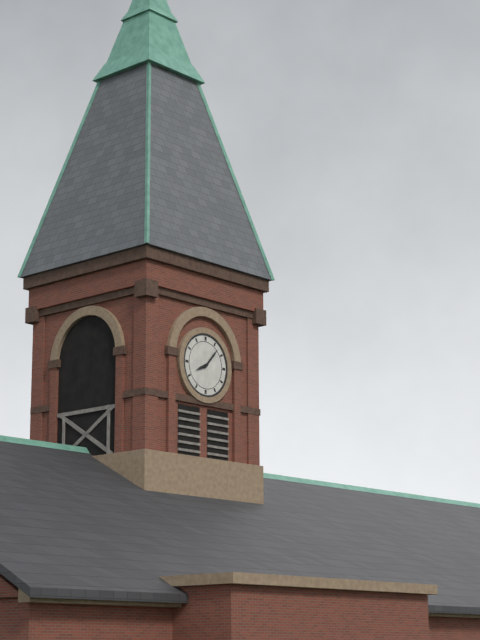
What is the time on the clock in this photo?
8:07
